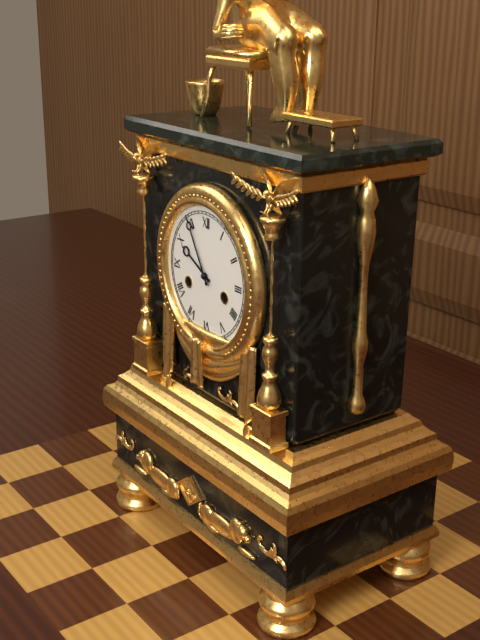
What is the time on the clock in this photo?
9:55
